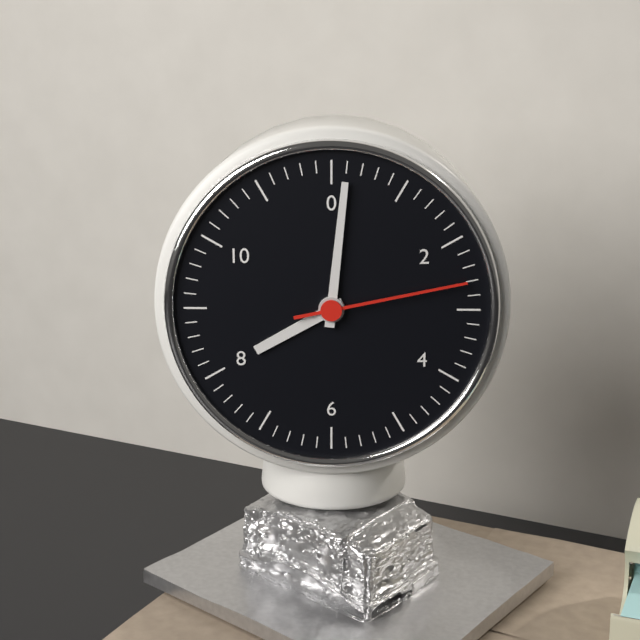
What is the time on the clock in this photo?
8:01:13
